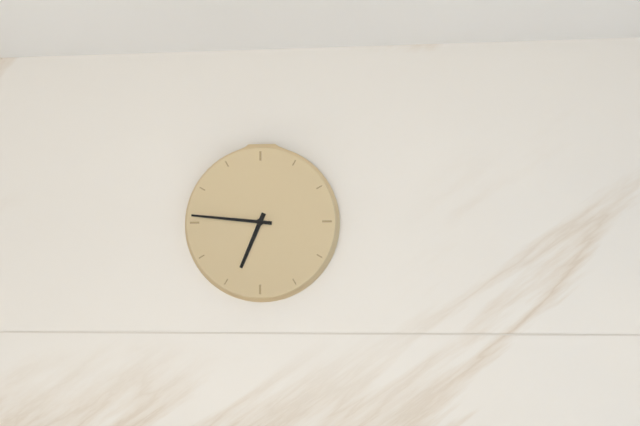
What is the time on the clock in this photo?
6:46
